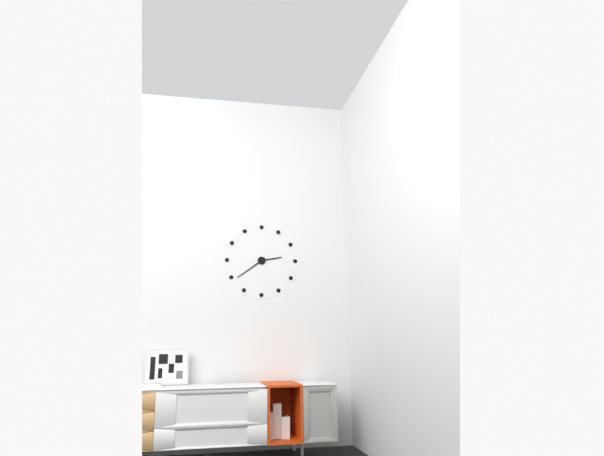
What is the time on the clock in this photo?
2:39
